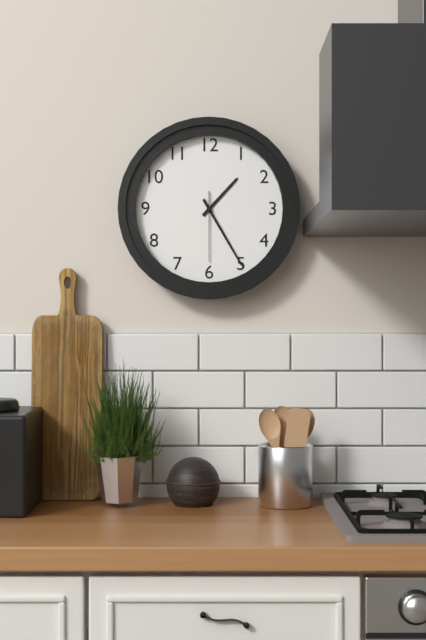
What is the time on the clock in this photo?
1:25:30
